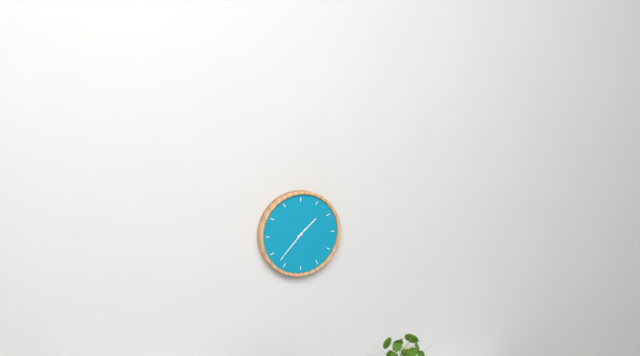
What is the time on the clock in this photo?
1:37
